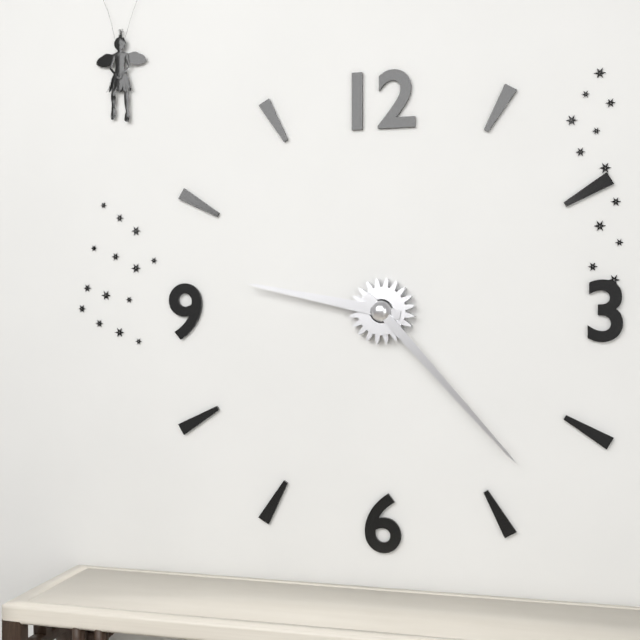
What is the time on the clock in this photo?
9:23
